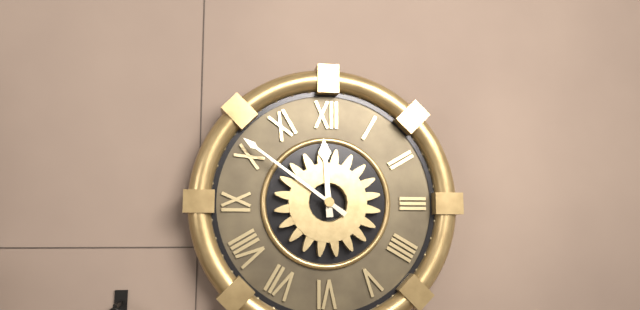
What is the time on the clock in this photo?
11:51
